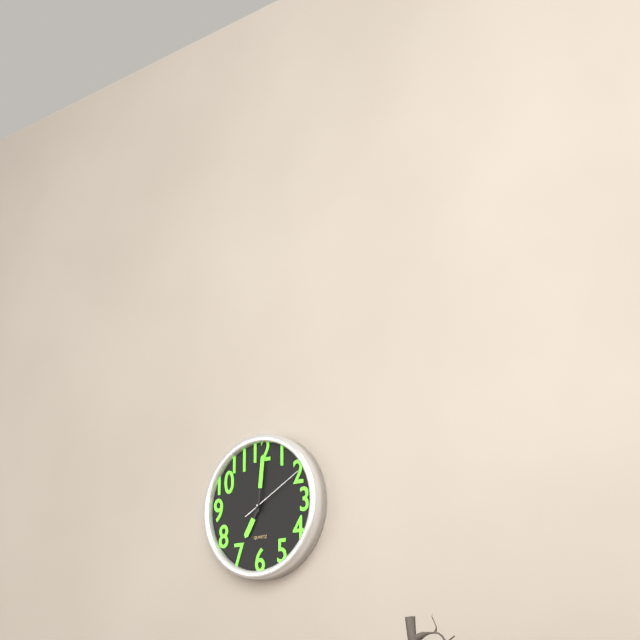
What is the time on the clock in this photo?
7:01:10
